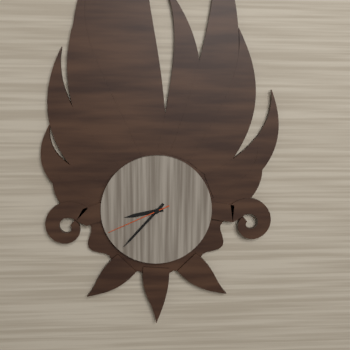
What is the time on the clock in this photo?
8:37:41
